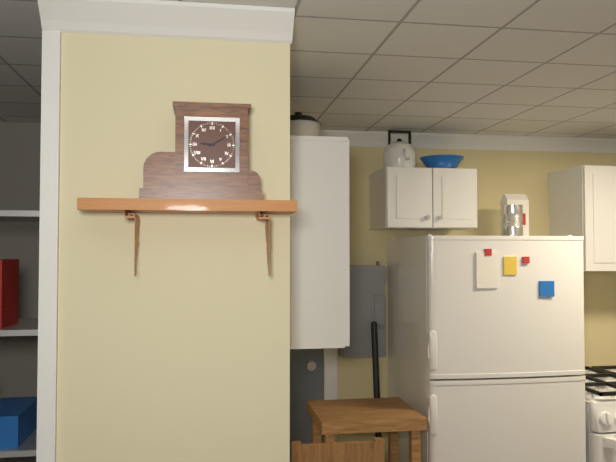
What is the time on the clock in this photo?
9:10
